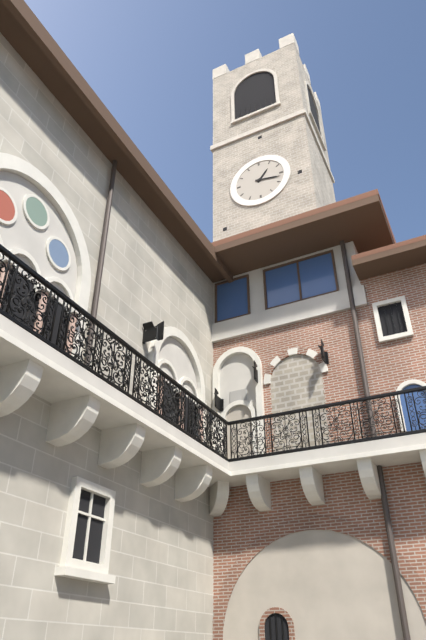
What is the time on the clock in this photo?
1:17
